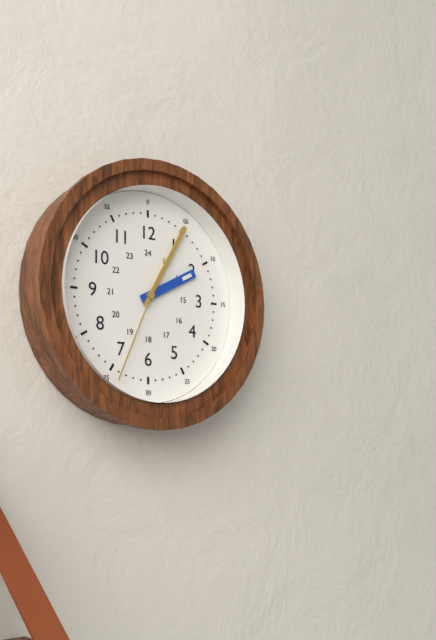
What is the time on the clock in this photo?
2:05:34
